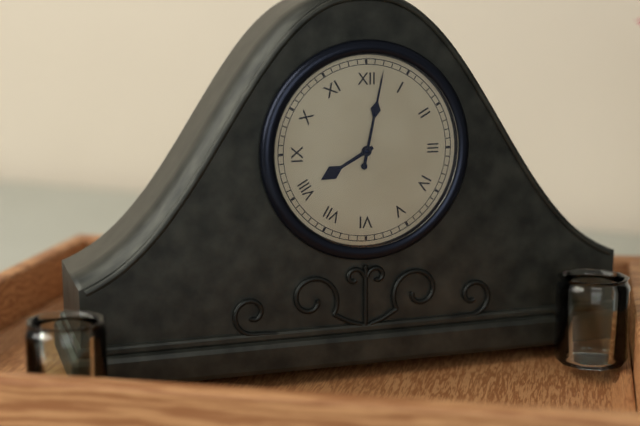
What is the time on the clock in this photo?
8:02
